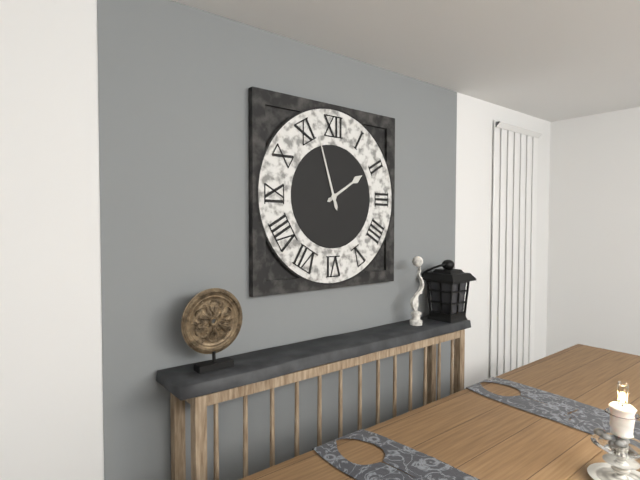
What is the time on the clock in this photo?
1:57
